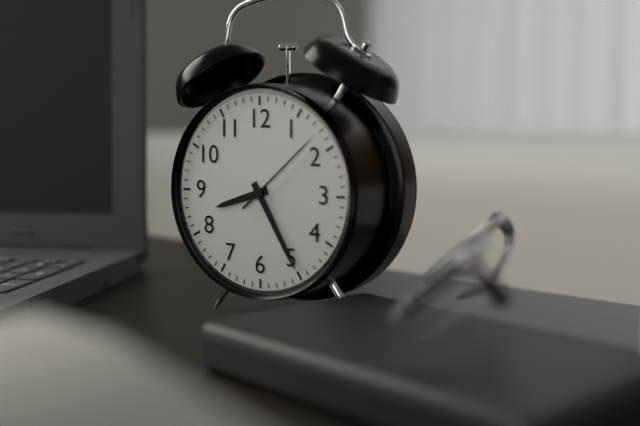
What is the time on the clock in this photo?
8:25:08
